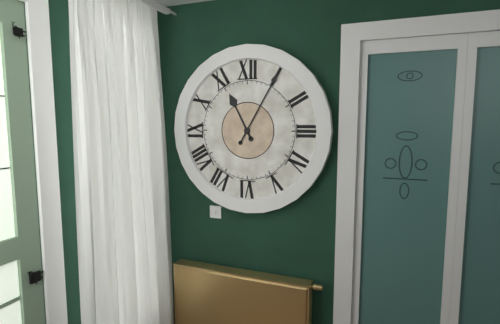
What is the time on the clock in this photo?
11:05
